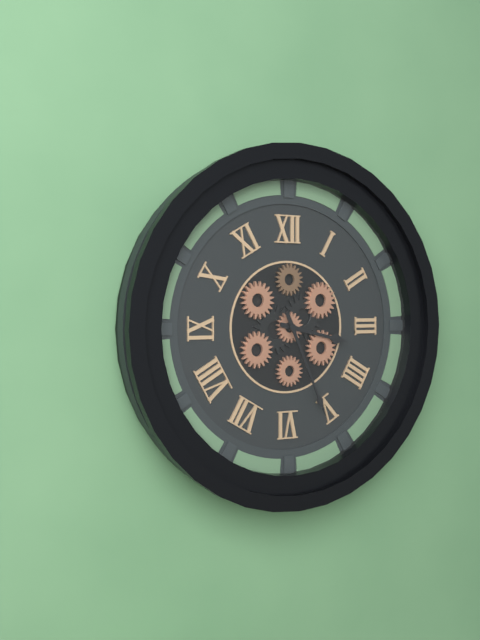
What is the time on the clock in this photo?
3:26
